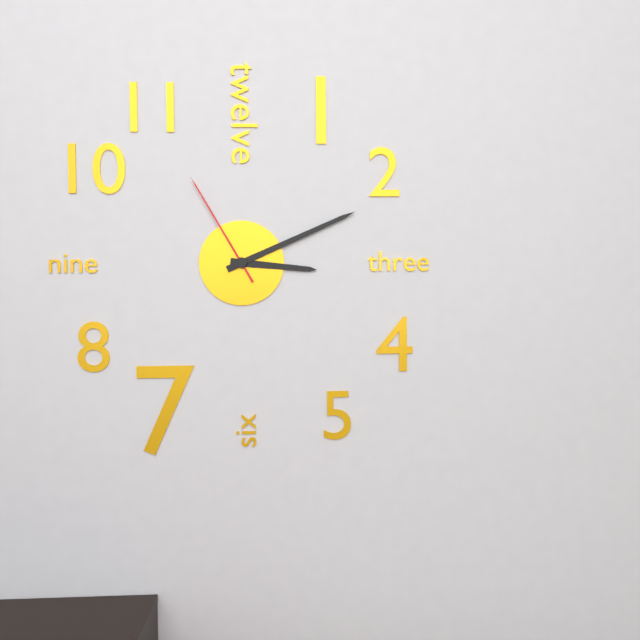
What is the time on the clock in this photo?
3:11:55
